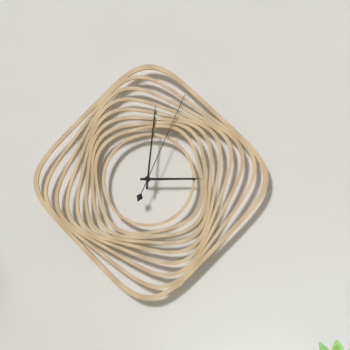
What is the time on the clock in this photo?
3:01:04
